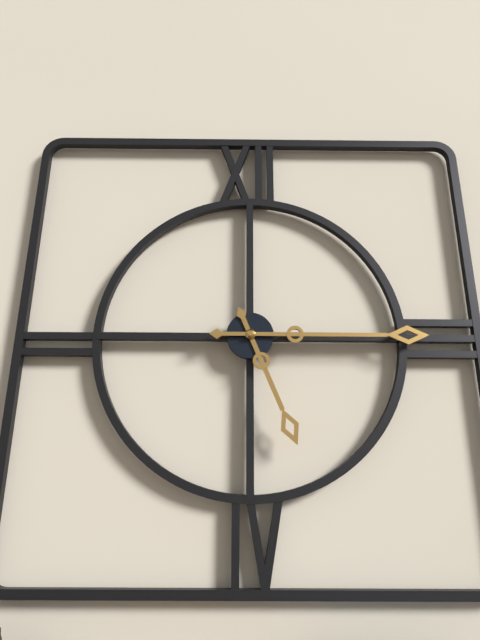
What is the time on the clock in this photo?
5:15
